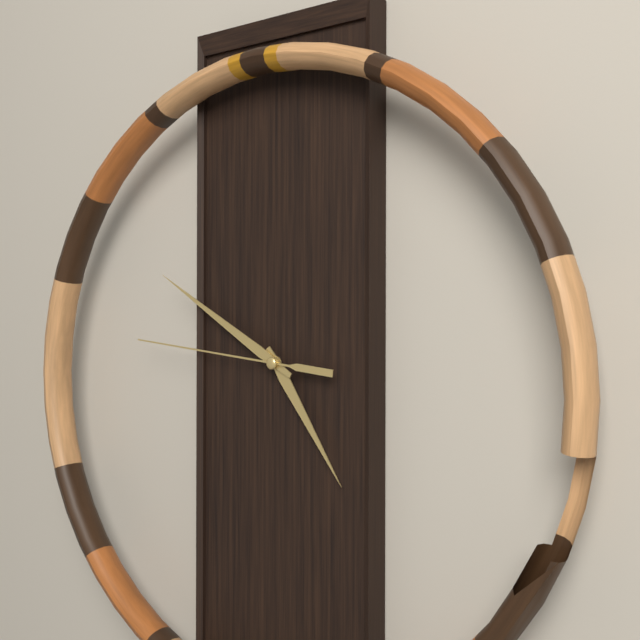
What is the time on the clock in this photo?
4:50:46
